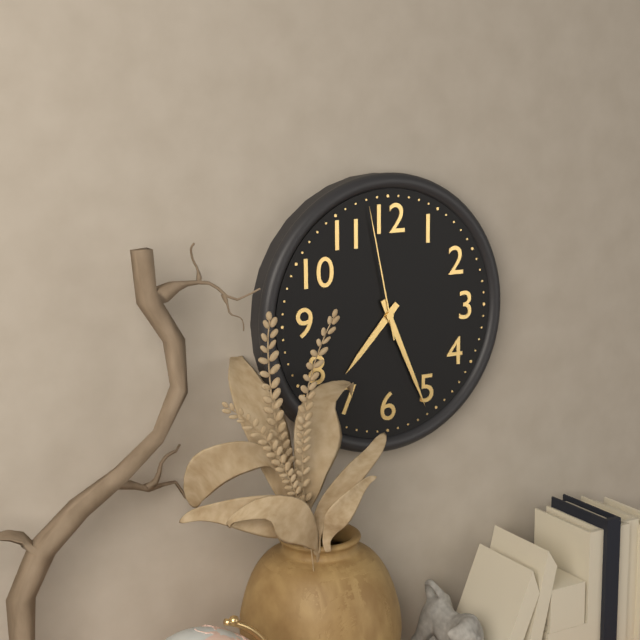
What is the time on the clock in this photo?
7:26:58
